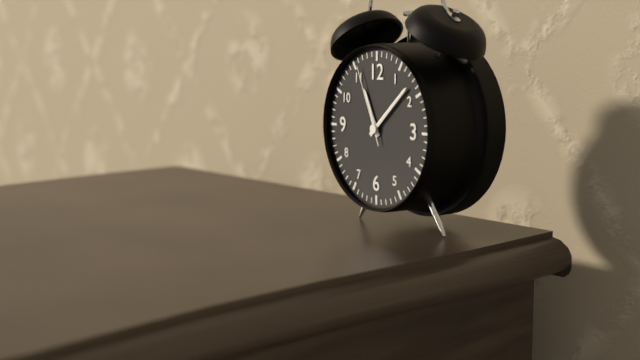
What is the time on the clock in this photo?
11:08:56
